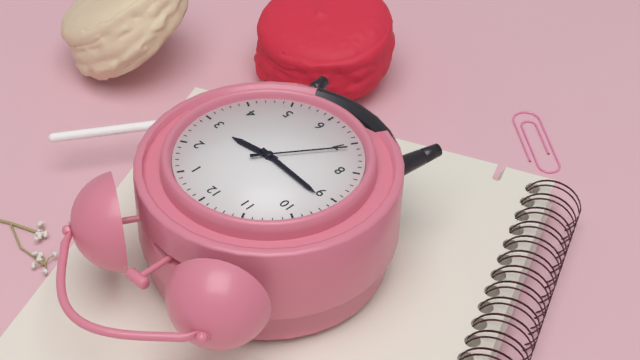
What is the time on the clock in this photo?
2:46:36
